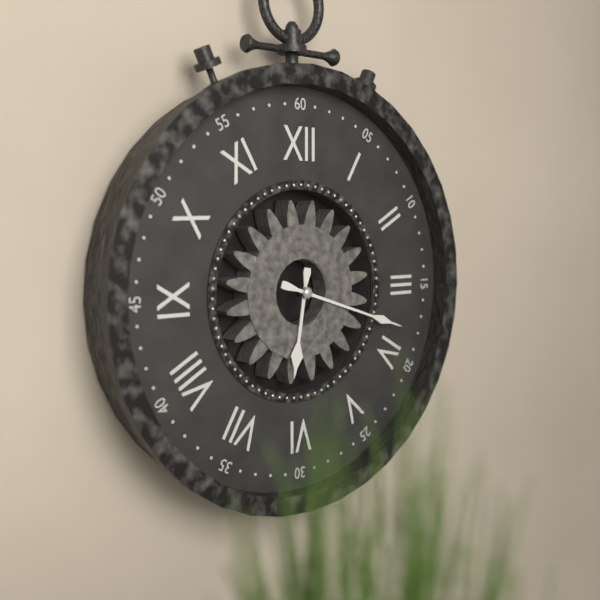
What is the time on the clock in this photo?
6:18
